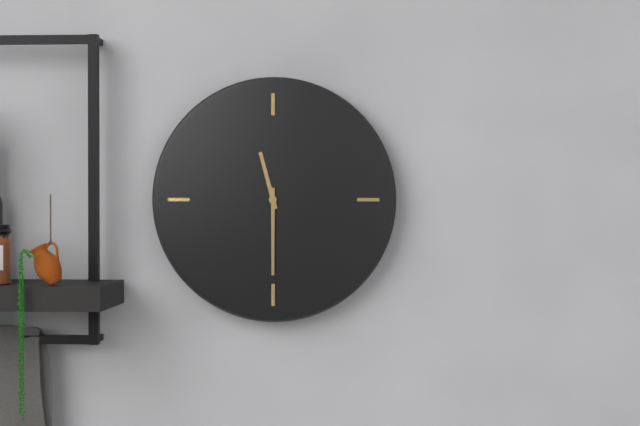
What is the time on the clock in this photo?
11:30
